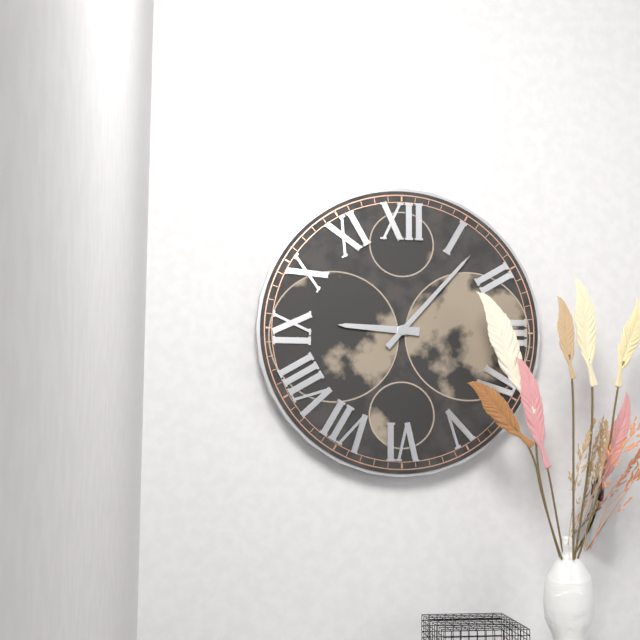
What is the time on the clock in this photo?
9:07
